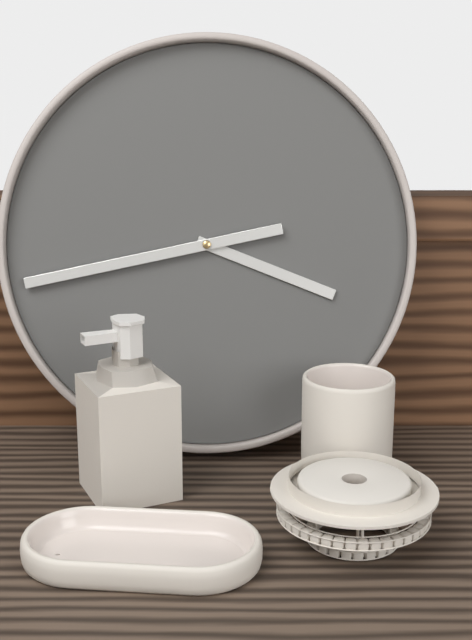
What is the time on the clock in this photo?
3:43
